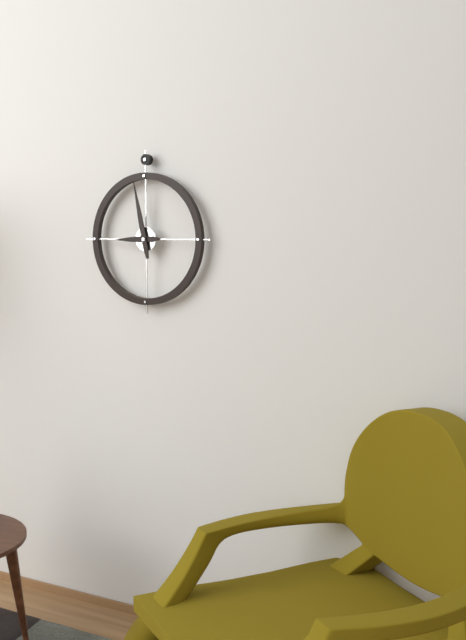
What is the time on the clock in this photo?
8:58
